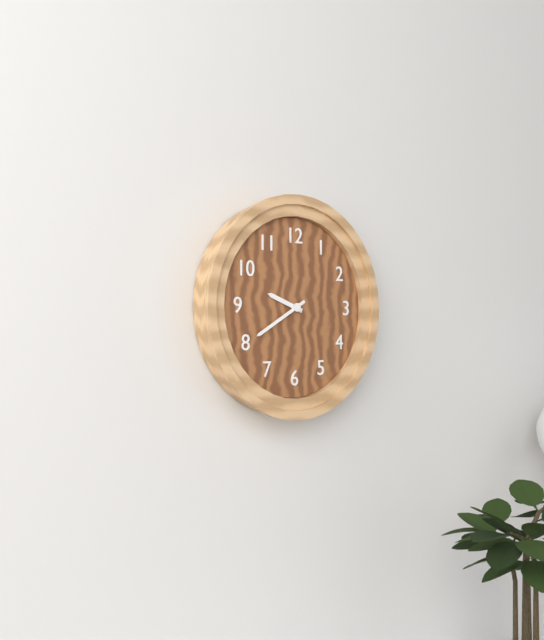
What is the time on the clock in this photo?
9:40
